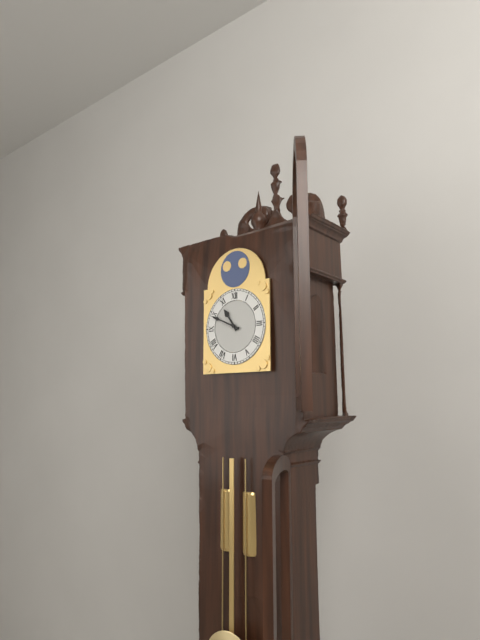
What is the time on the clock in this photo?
10:49
